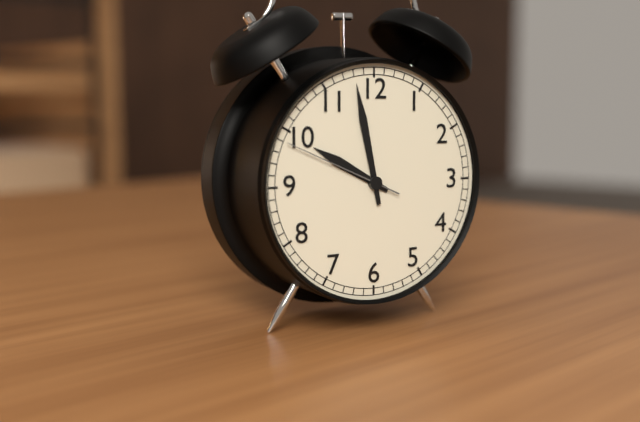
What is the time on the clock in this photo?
9:58:49
